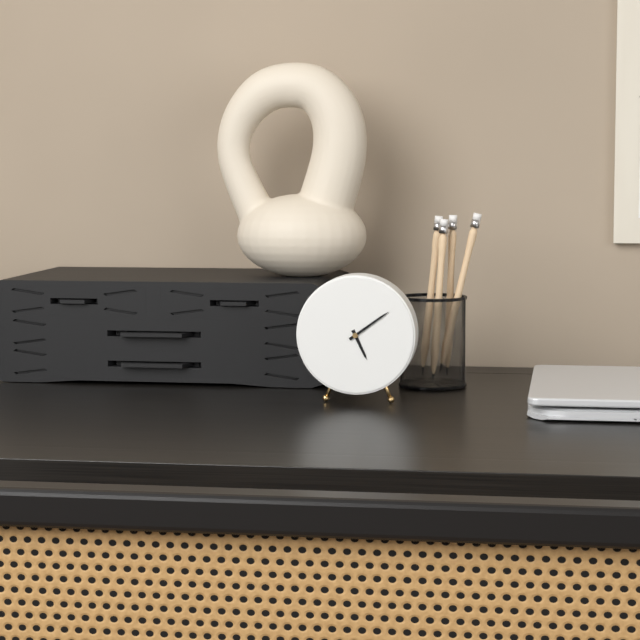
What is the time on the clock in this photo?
5:09
